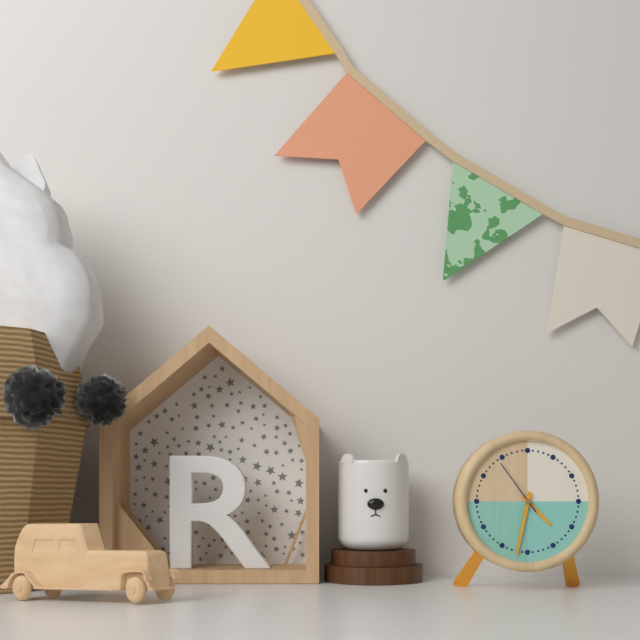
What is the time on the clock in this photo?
4:32:54
